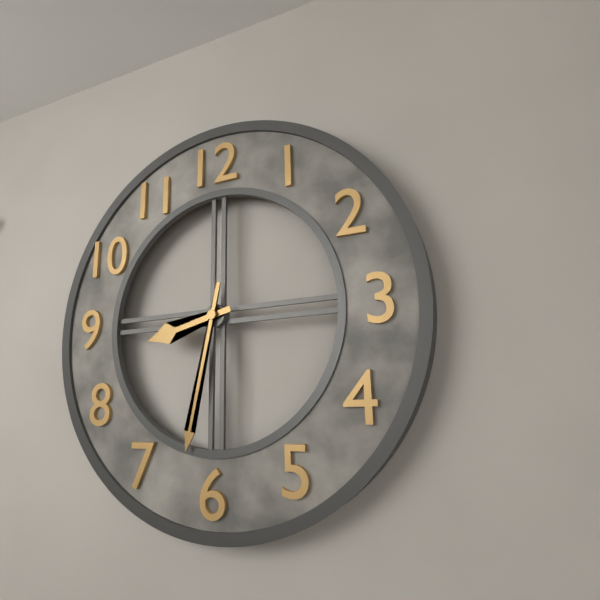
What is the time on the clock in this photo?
8:32
